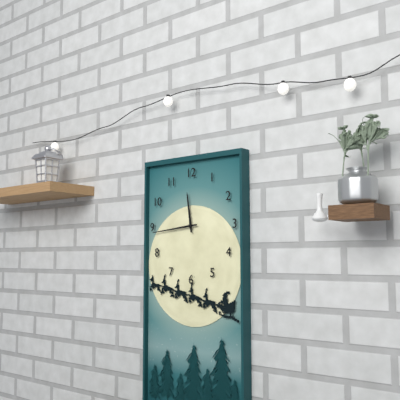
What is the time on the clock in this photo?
11:44
